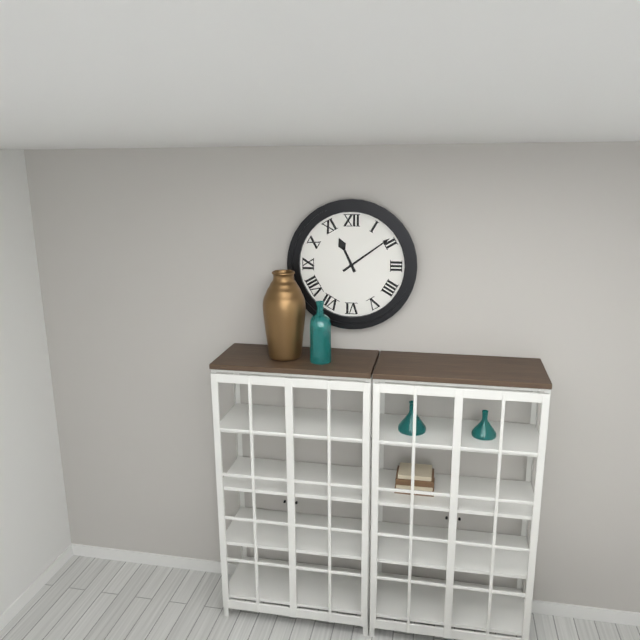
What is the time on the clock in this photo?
11:09
